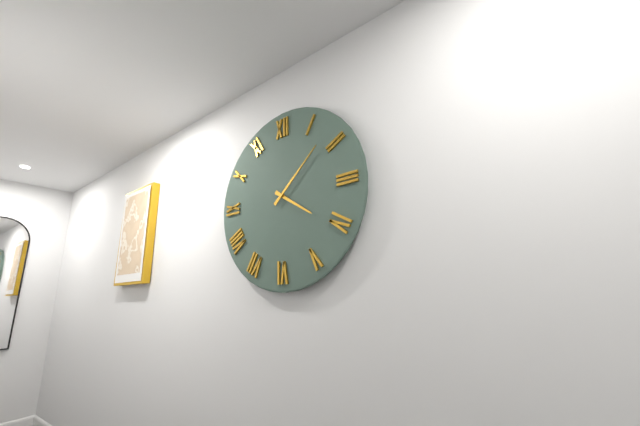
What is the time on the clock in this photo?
4:08
